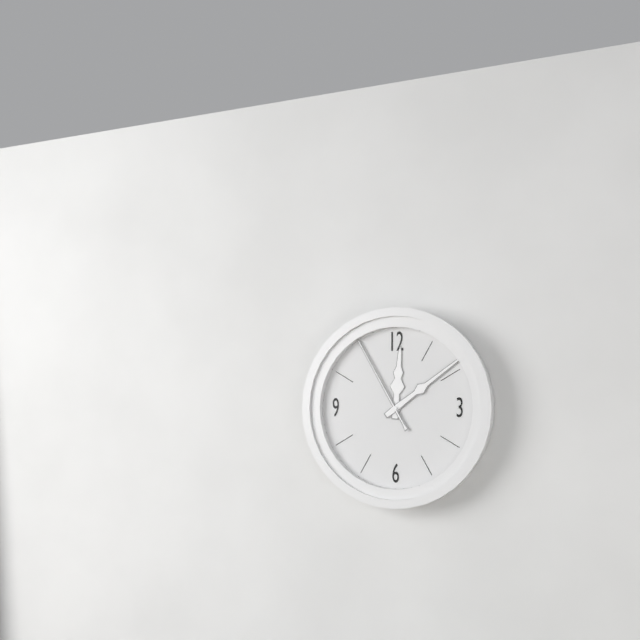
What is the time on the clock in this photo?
12:09:55
